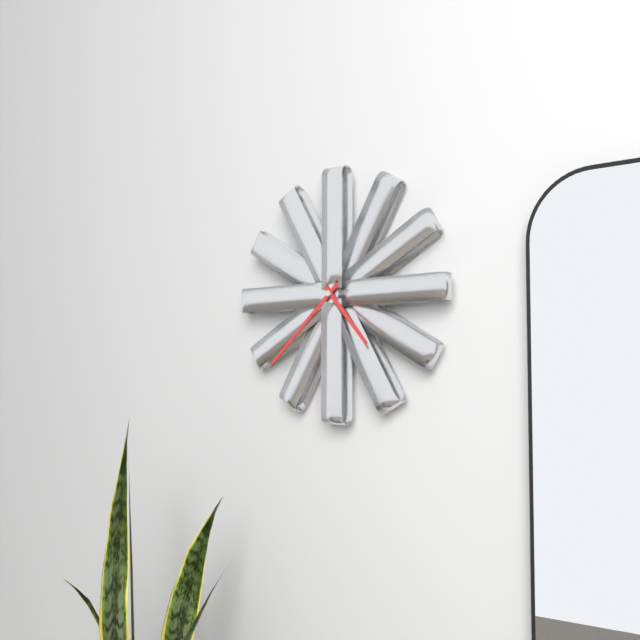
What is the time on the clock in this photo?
4:38
